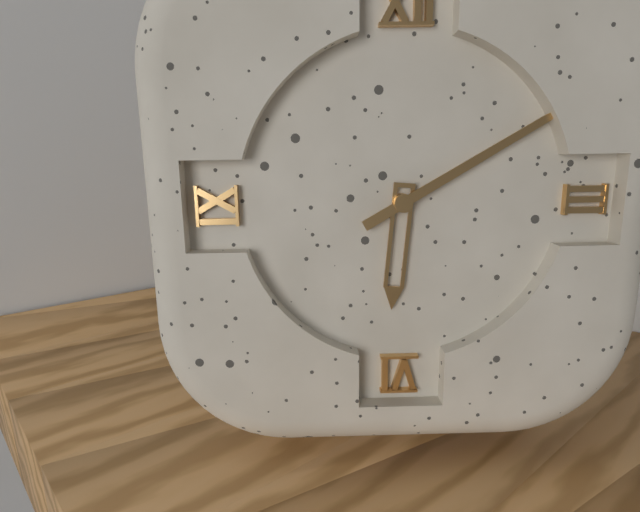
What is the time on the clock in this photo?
6:10
